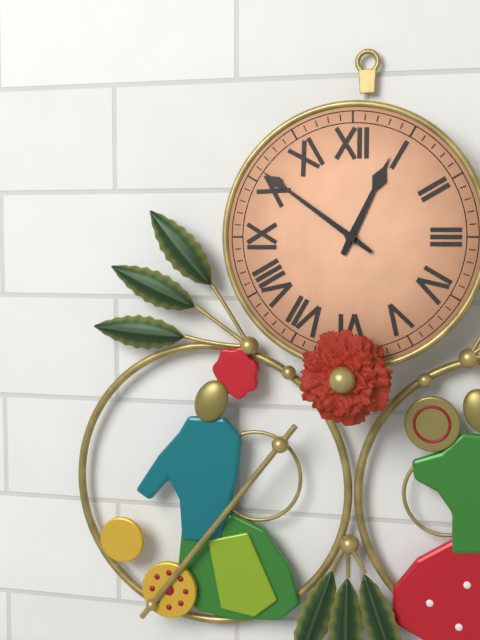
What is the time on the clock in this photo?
12:51
